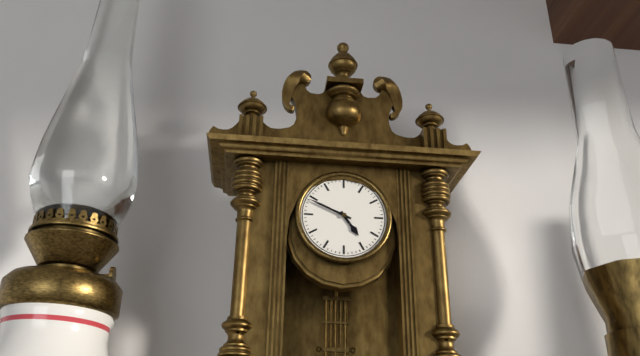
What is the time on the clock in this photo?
4:49
